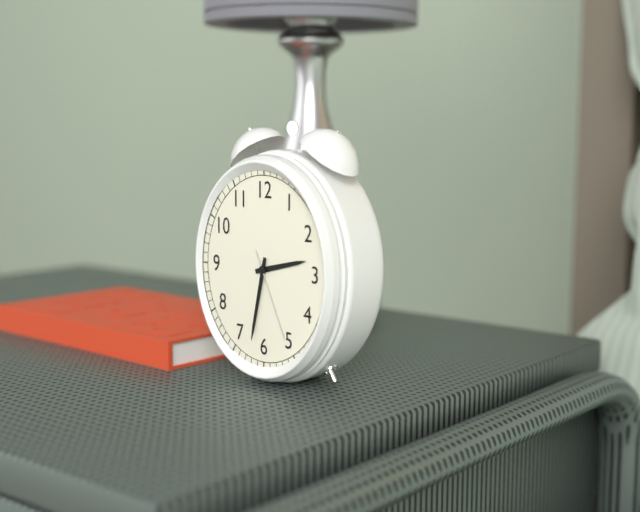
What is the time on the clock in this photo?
2:32:26
